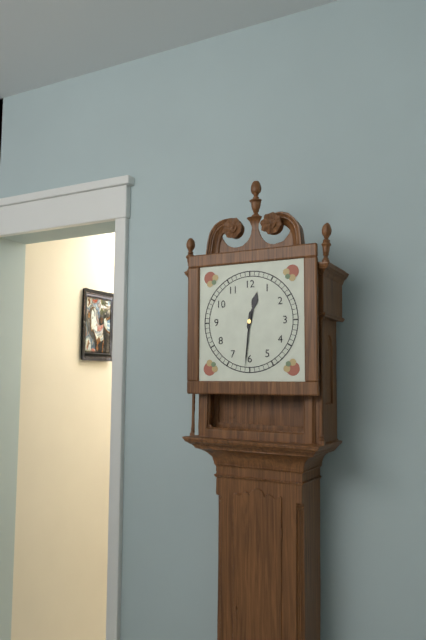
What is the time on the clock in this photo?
12:31
